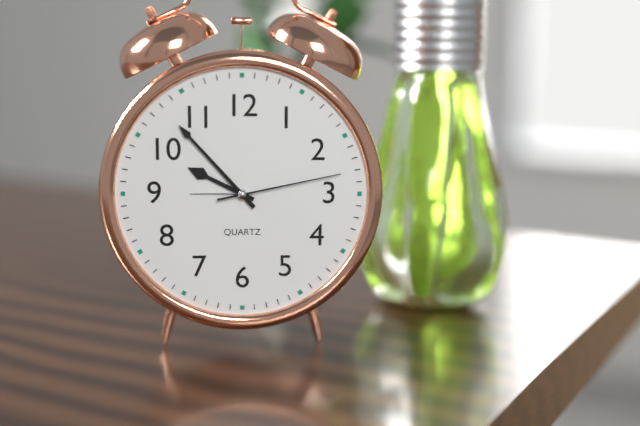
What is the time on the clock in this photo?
9:53:13
